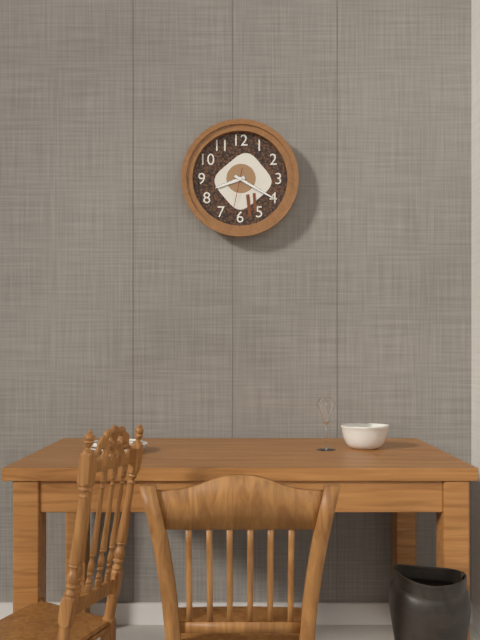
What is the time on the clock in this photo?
8:20:32
